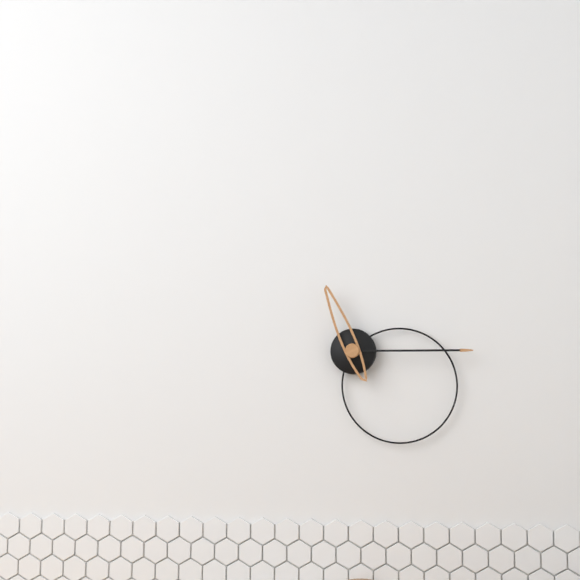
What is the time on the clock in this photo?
11:15
